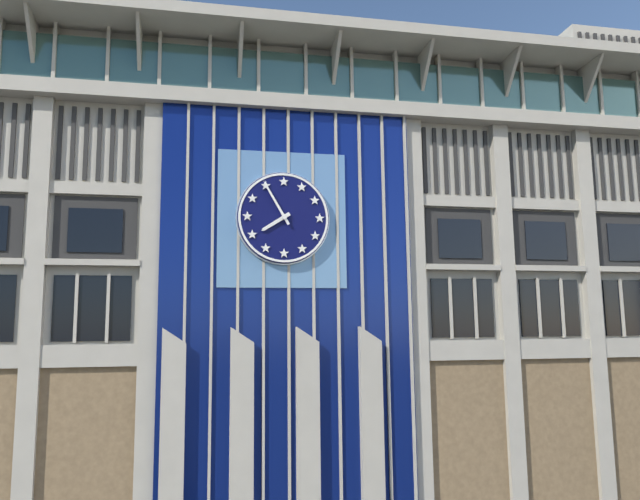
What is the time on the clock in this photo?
7:55
